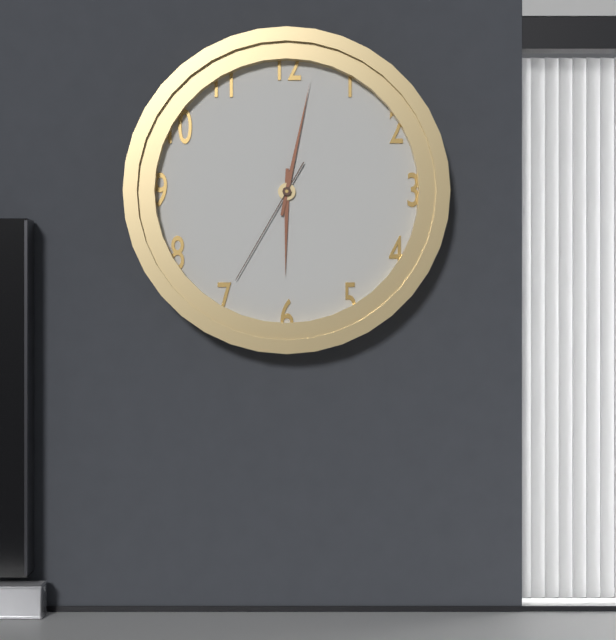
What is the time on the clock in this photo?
6:02:35
